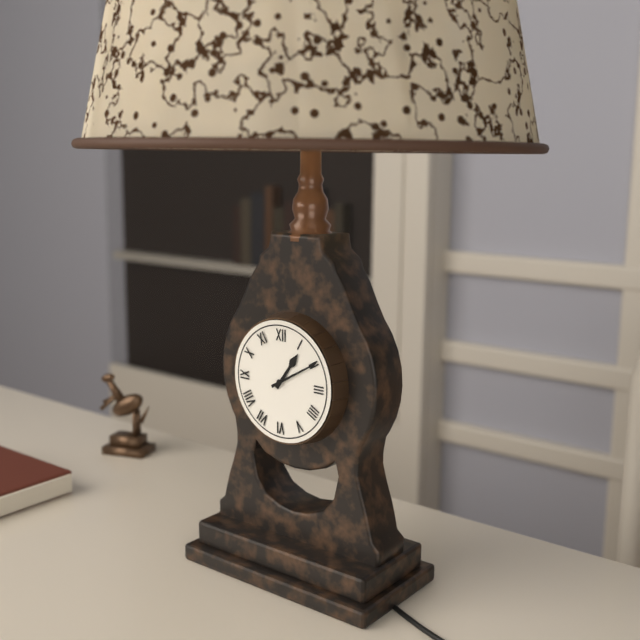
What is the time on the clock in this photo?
1:10
